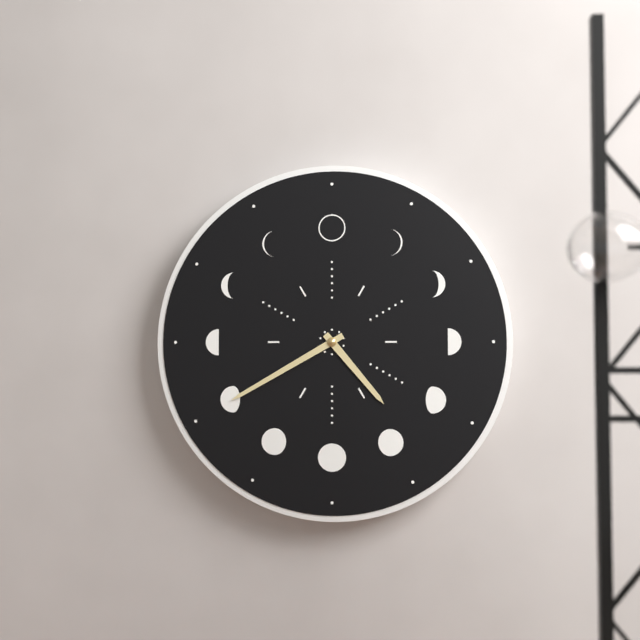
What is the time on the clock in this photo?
4:40
